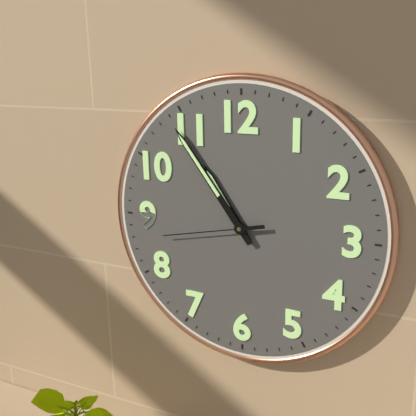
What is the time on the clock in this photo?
10:54:43
